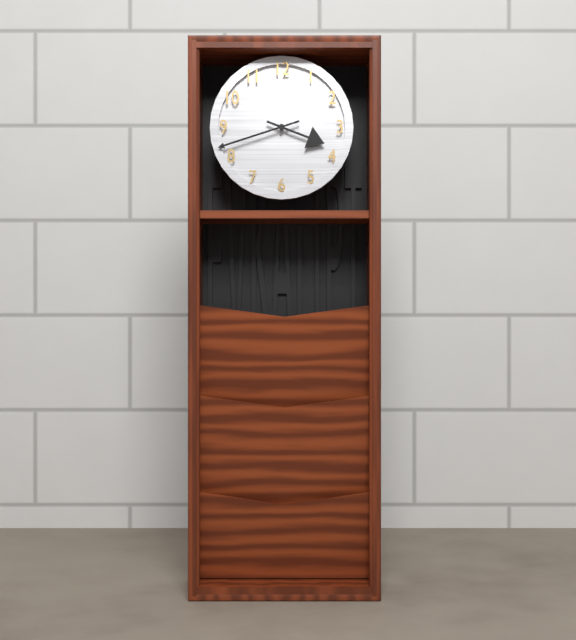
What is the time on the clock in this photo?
3:42
